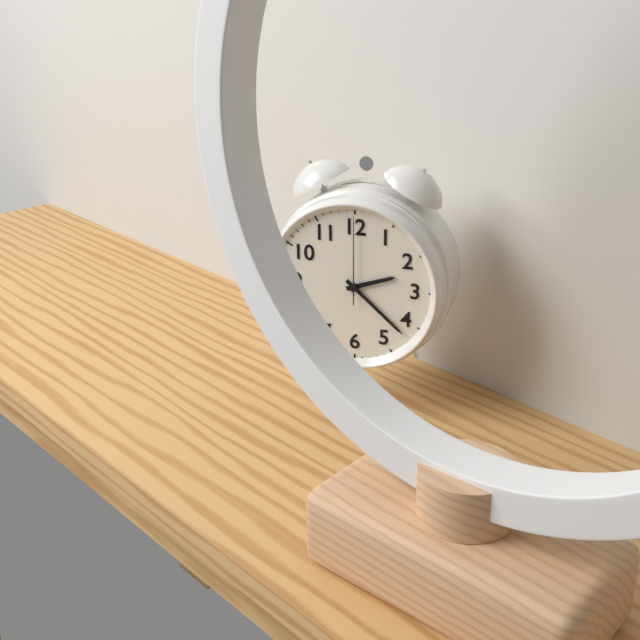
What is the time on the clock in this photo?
2:22:00
